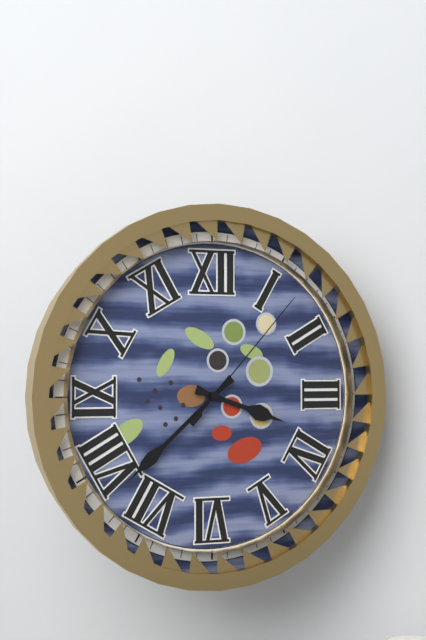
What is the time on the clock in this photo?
3:38:07
